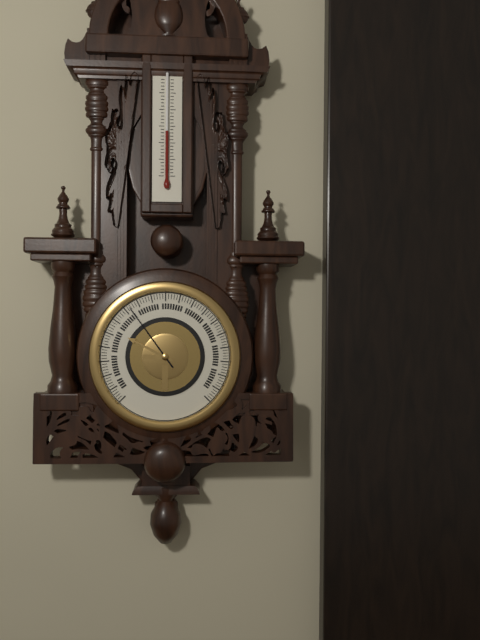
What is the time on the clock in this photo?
9:54
